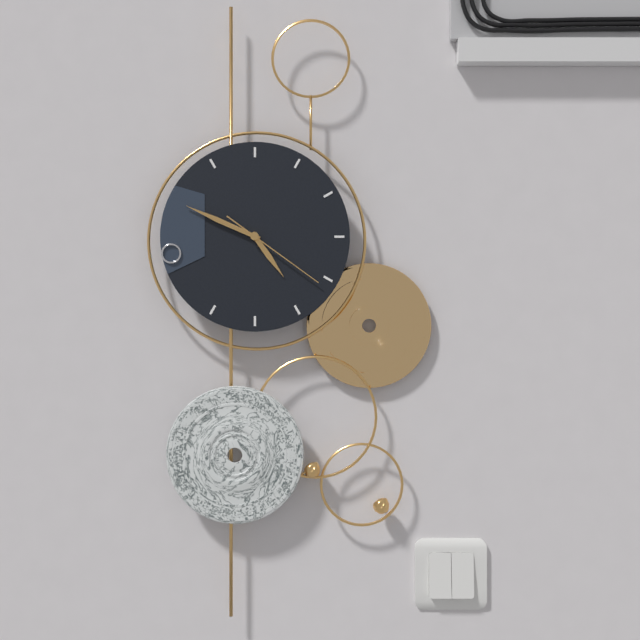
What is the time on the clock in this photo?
4:49:21
